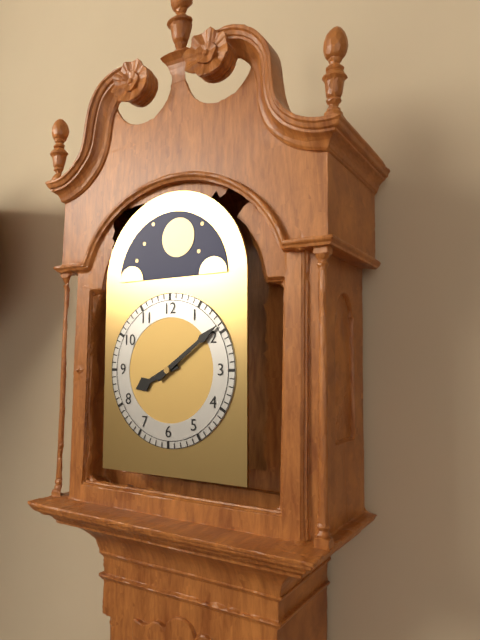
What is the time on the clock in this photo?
8:09
